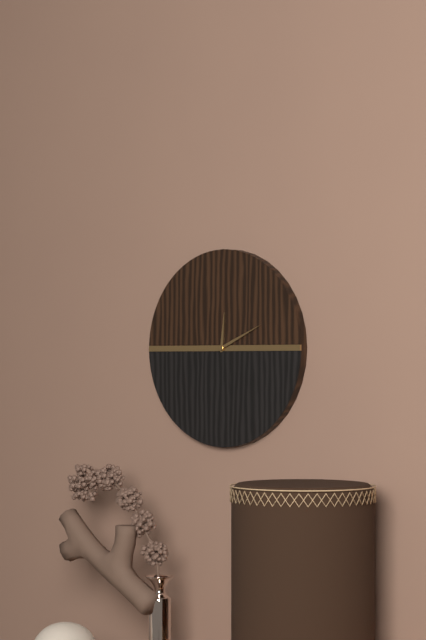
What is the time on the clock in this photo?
12:11
